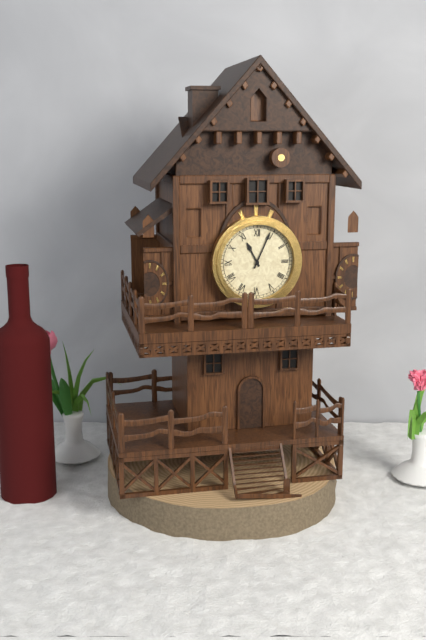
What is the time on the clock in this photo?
11:04
